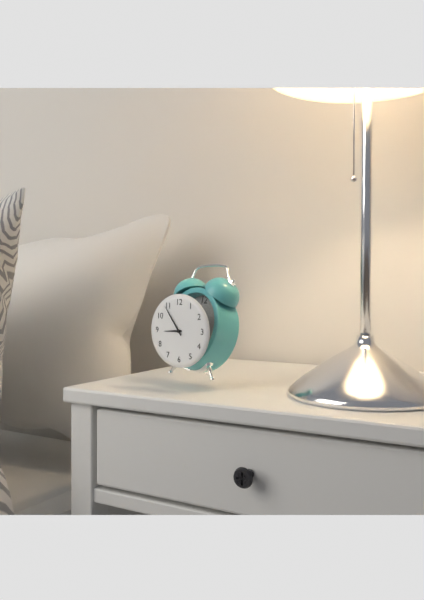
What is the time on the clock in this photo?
8:54
